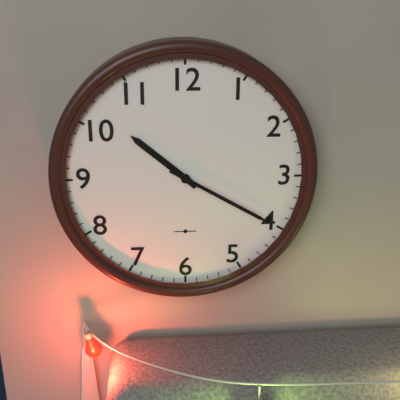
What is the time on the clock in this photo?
10:20
